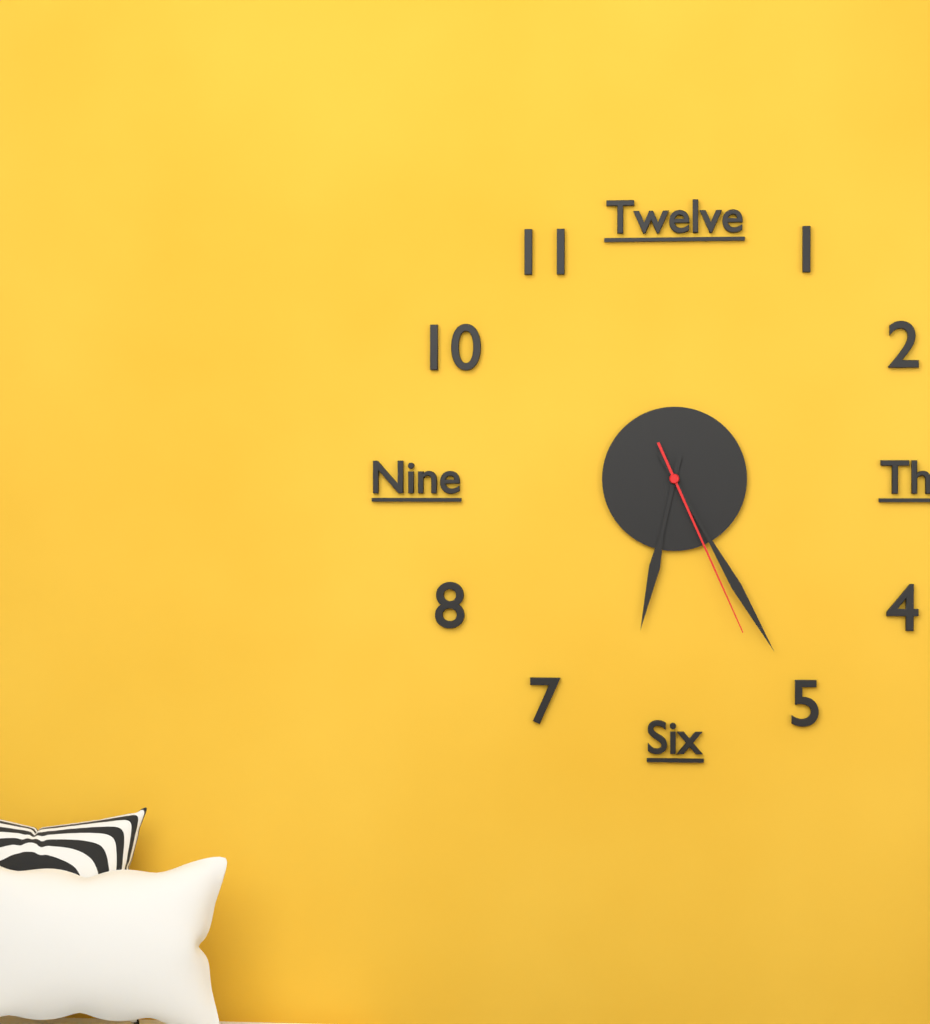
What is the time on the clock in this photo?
6:25:26
